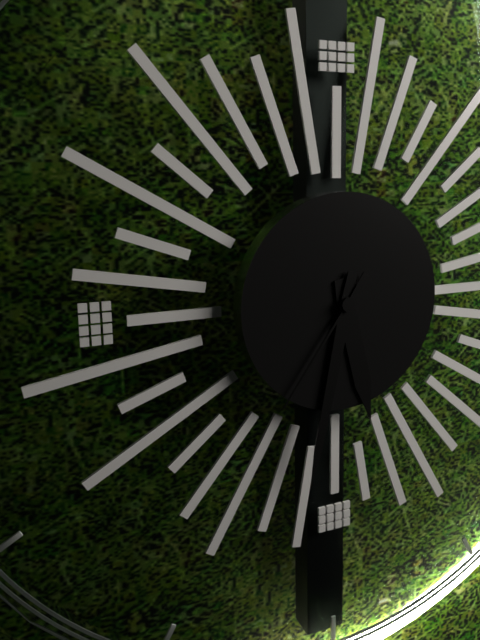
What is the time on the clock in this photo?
5:32:36
